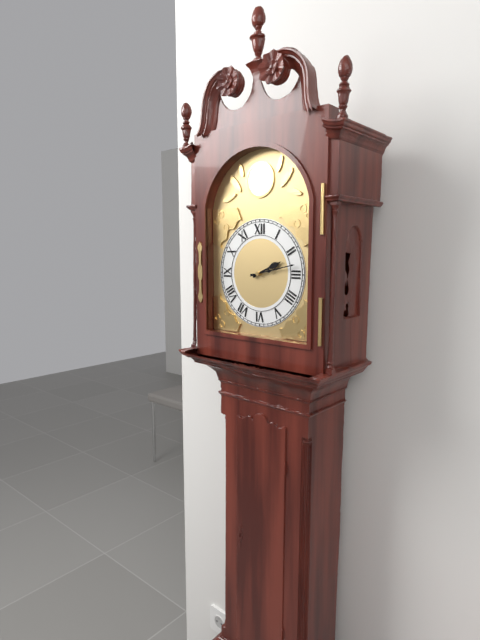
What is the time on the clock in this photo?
2:13
